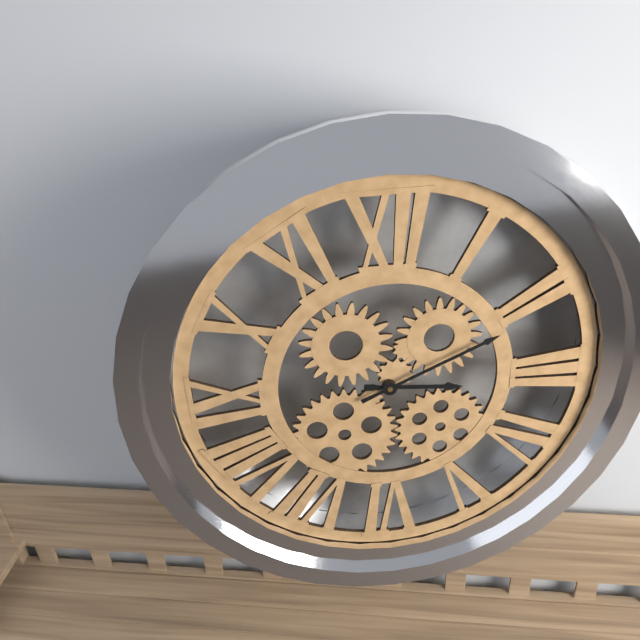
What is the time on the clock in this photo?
3:11
